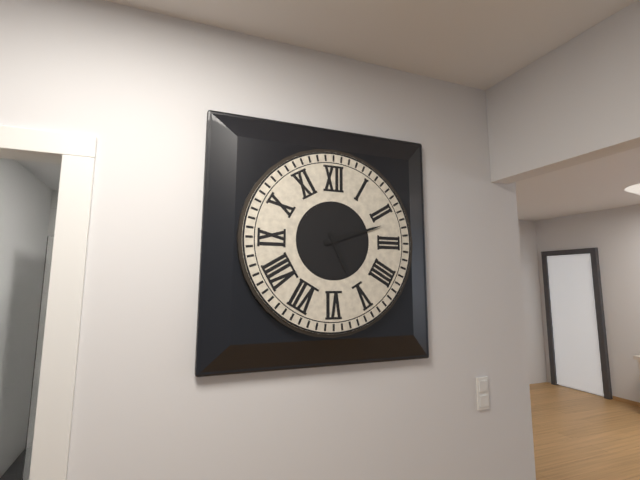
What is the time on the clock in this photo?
5:12
